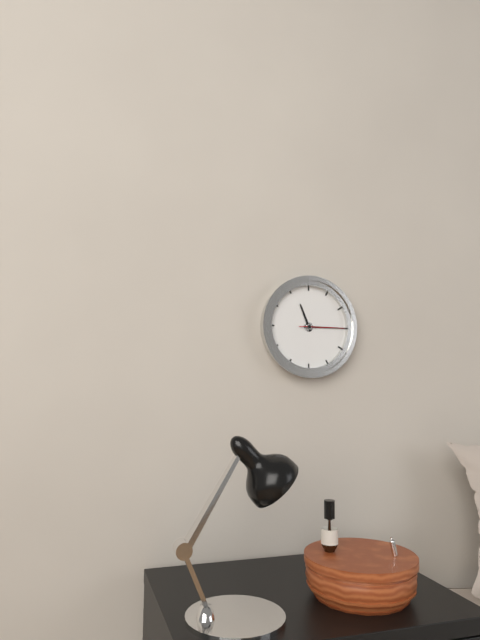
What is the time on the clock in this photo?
11:15
